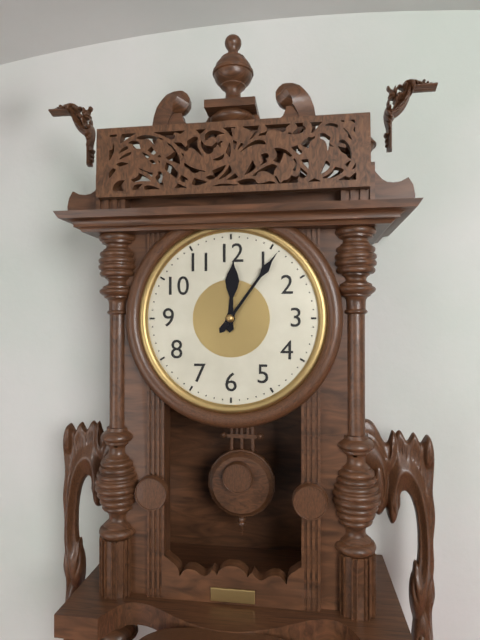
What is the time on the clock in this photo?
12:06
